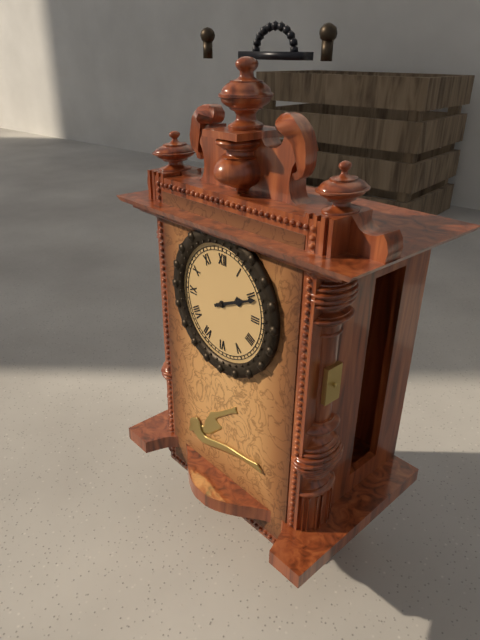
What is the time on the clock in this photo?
2:11
